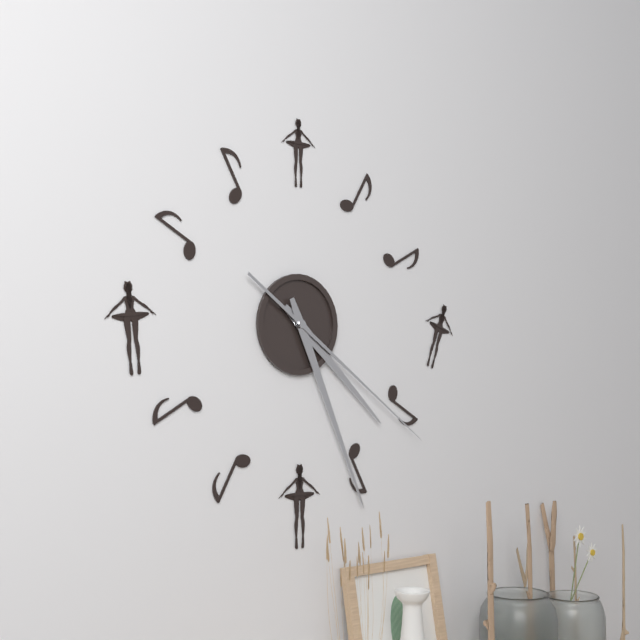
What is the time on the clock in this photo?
4:26:21
